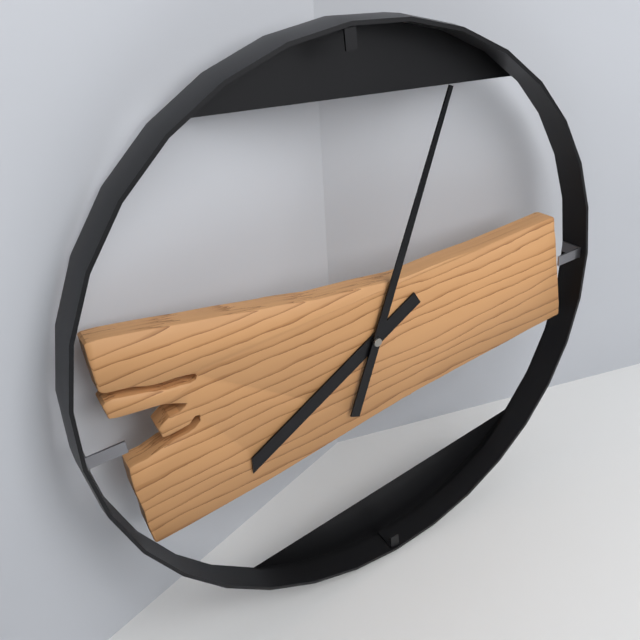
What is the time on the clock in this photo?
8:04
